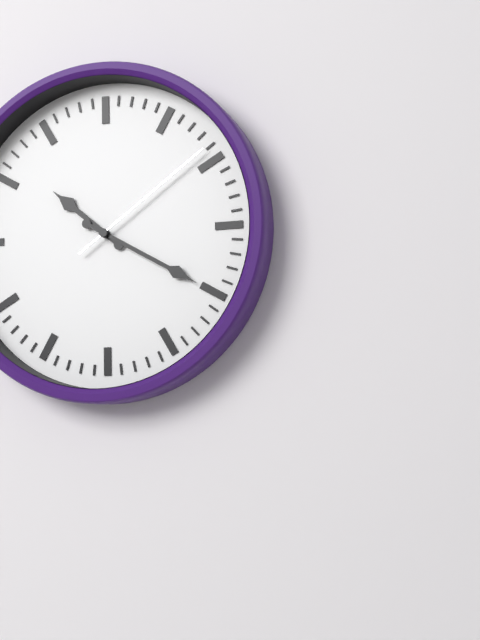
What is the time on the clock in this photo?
10:20:09
